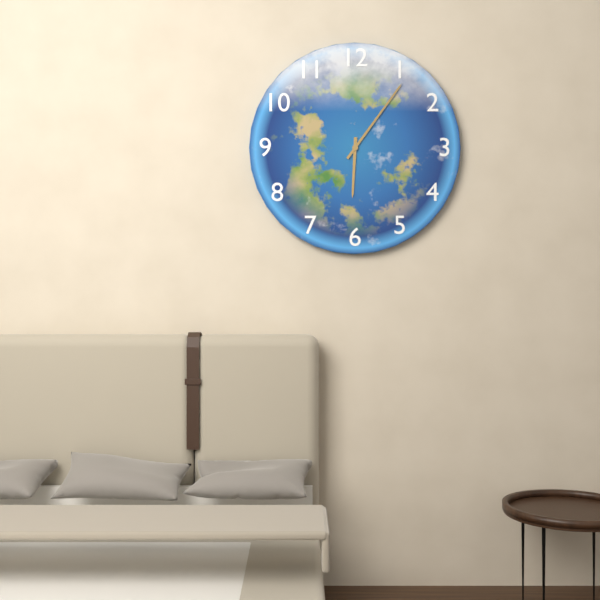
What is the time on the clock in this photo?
6:06
